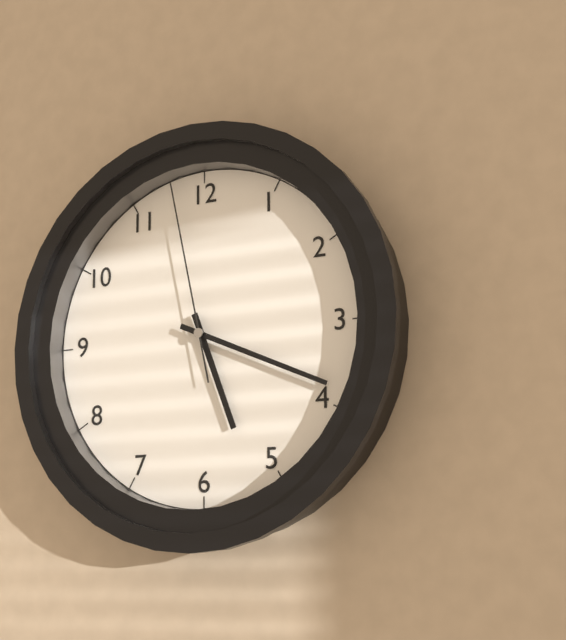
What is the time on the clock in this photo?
5:19:58
